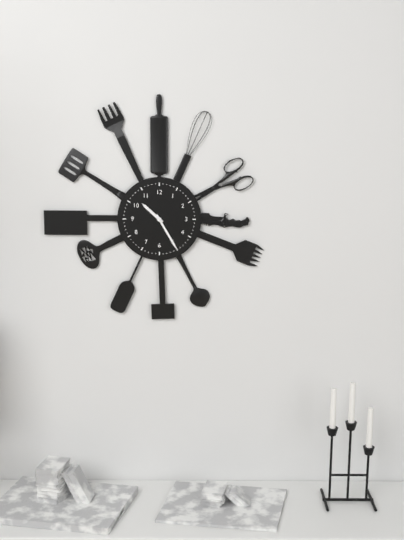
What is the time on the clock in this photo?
10:25
